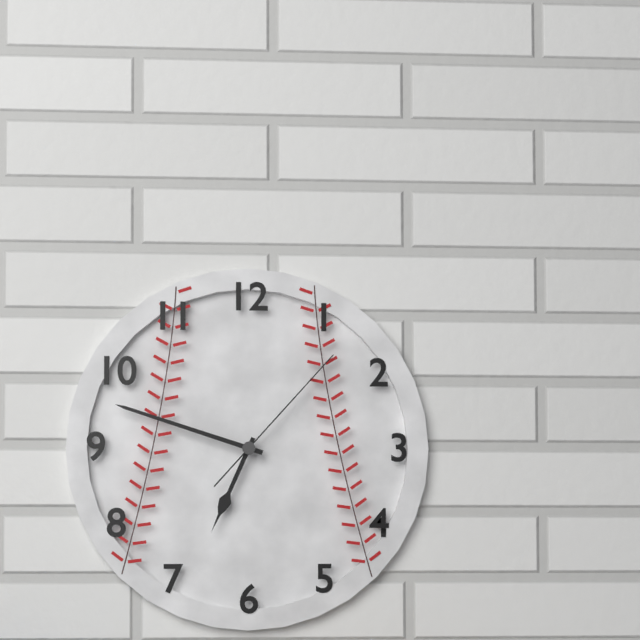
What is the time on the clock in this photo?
6:48:07
